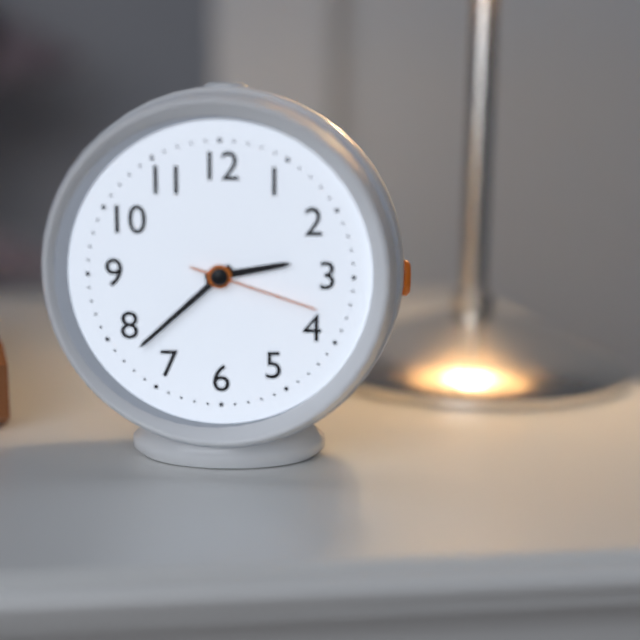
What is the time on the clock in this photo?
2:38:18
